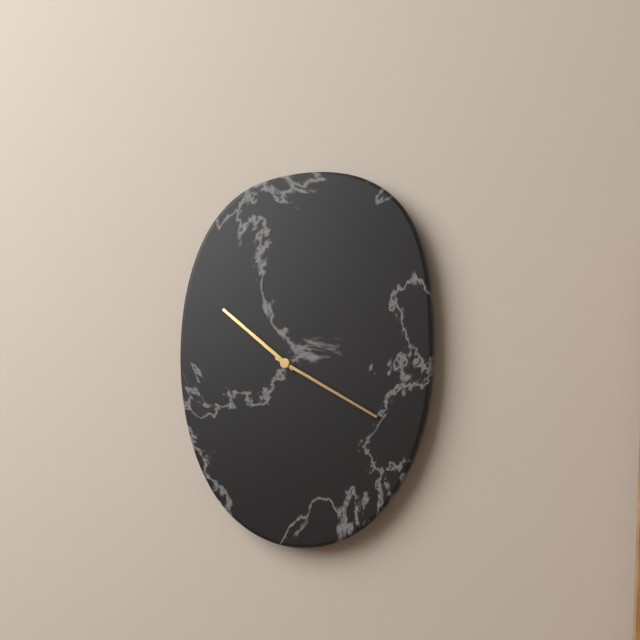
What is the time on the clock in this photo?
10:20
